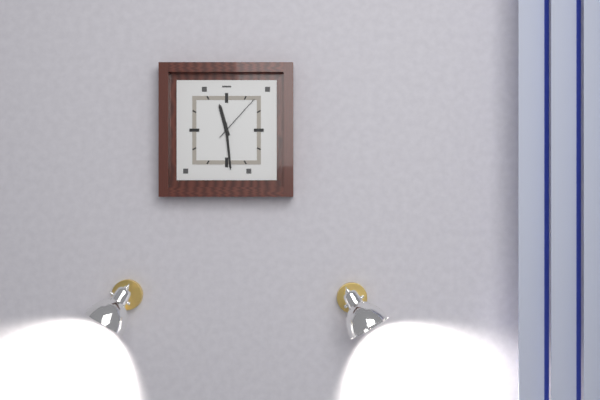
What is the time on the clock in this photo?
11:29:07
